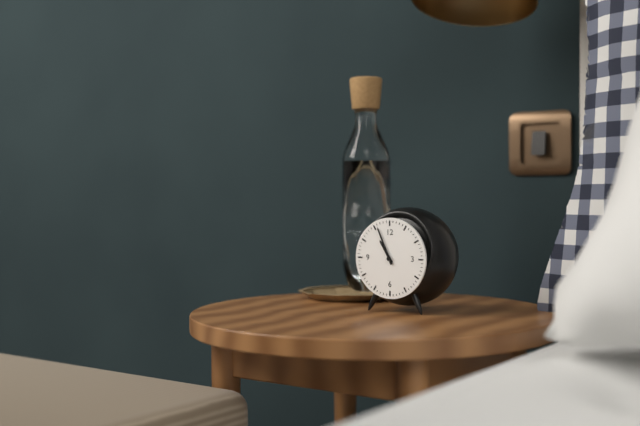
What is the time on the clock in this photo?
10:56
